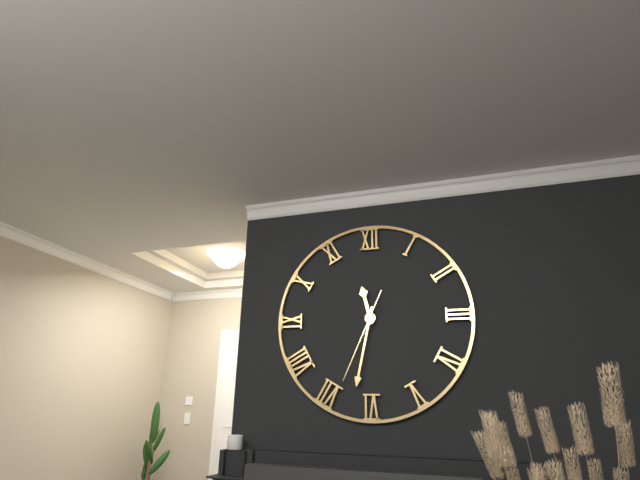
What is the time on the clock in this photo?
11:32:34
